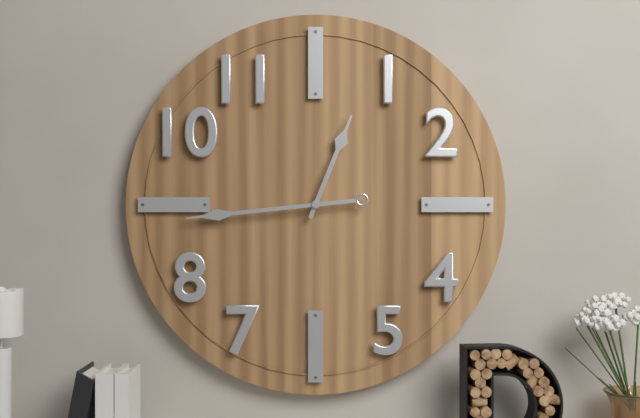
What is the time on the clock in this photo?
12:44
